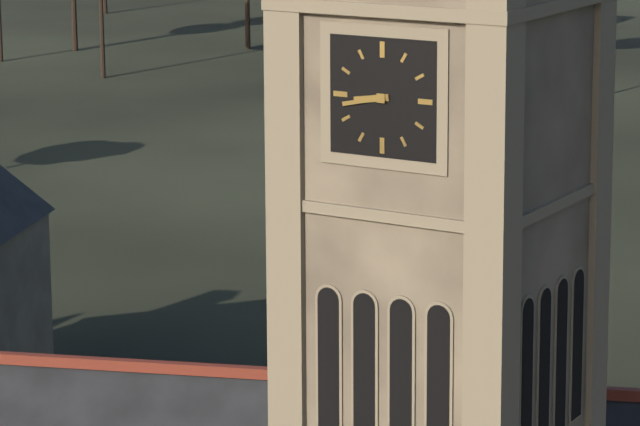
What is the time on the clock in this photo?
8:43
